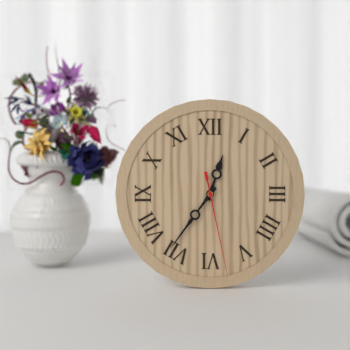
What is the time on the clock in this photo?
12:36:28
